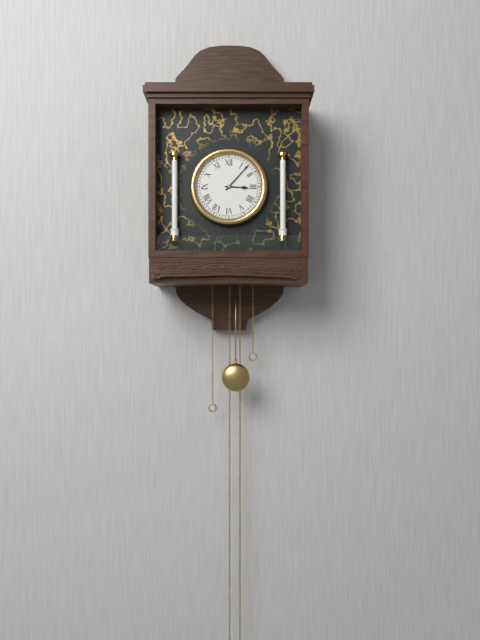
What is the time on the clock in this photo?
3:07
